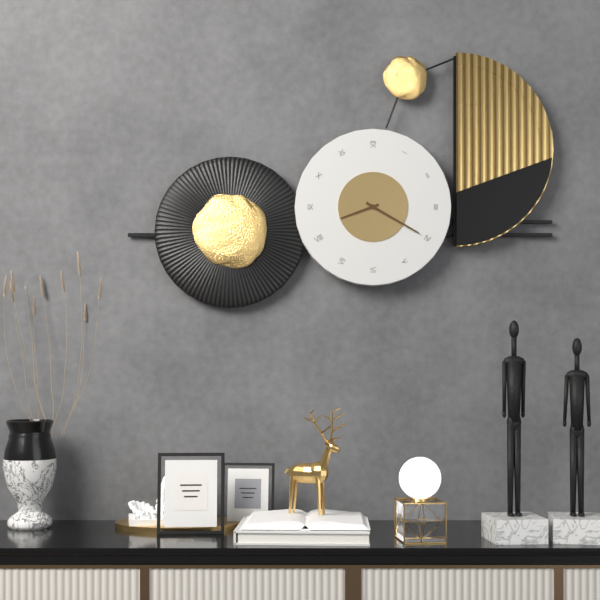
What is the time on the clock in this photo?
8:20
